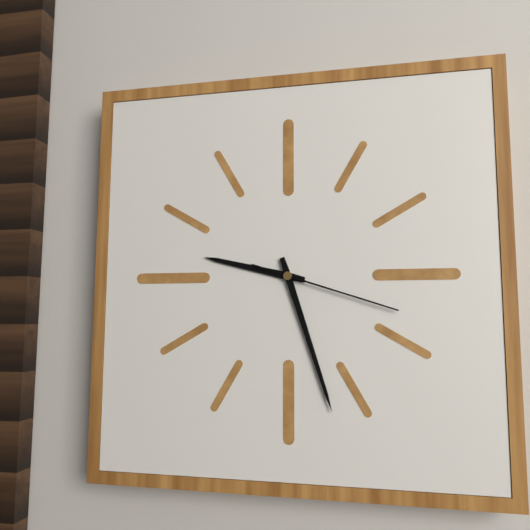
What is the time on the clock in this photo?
9:27:18
